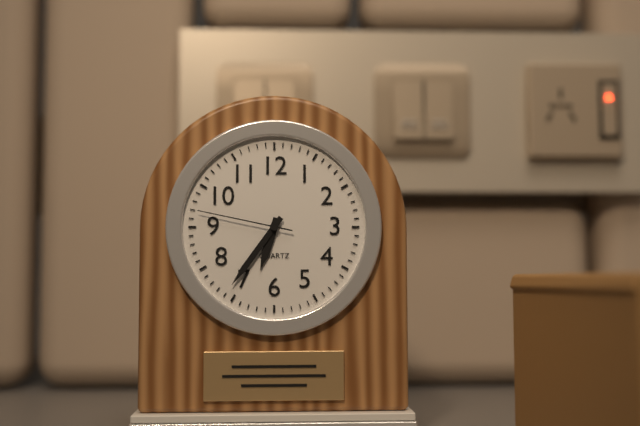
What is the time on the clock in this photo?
6:36:47
